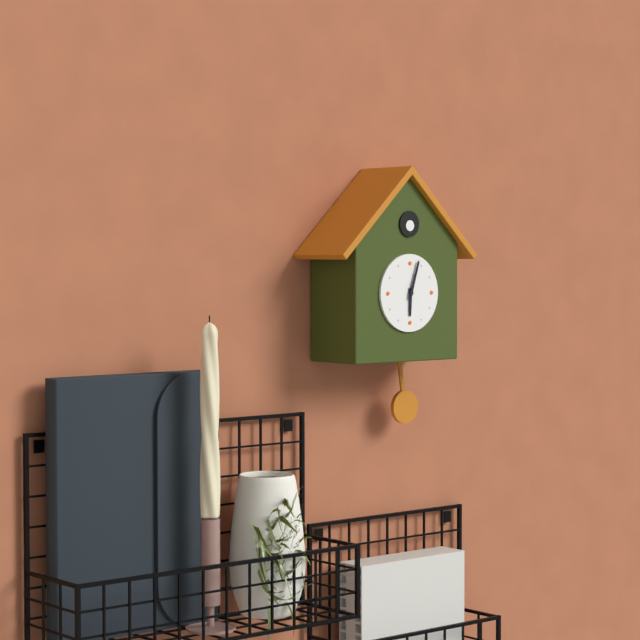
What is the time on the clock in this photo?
6:03
